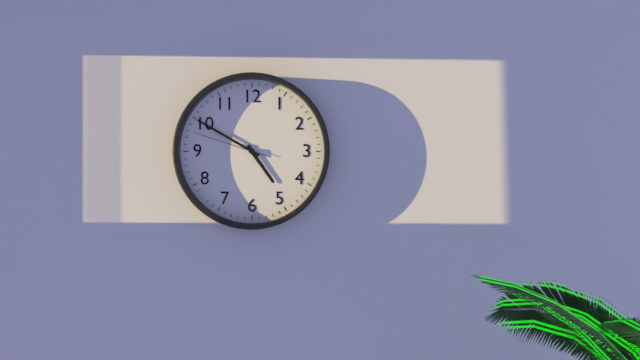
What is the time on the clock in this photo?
4:50:48
